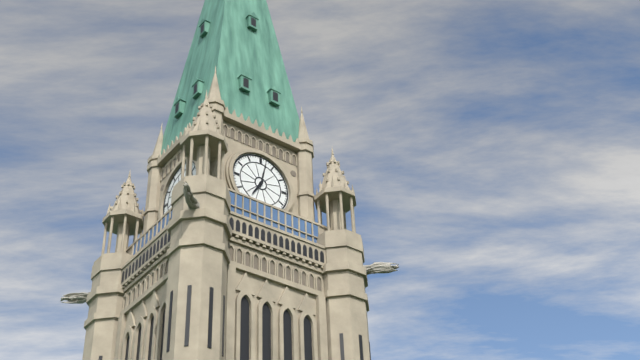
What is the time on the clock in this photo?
7:02
